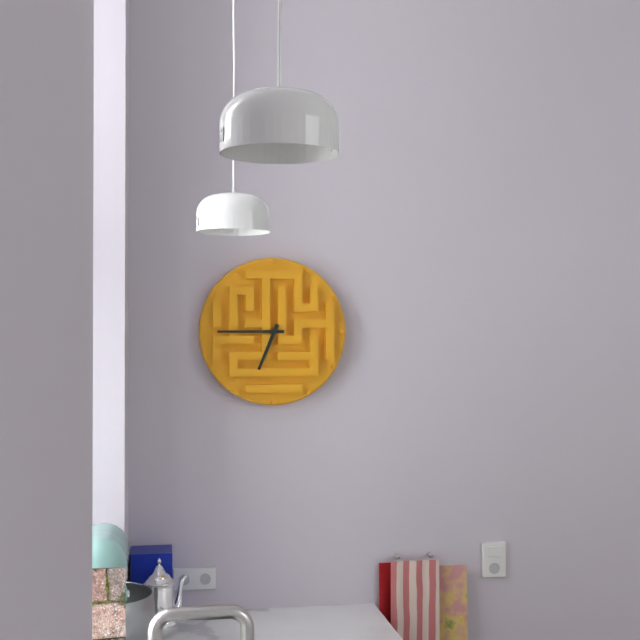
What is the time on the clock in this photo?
6:45
